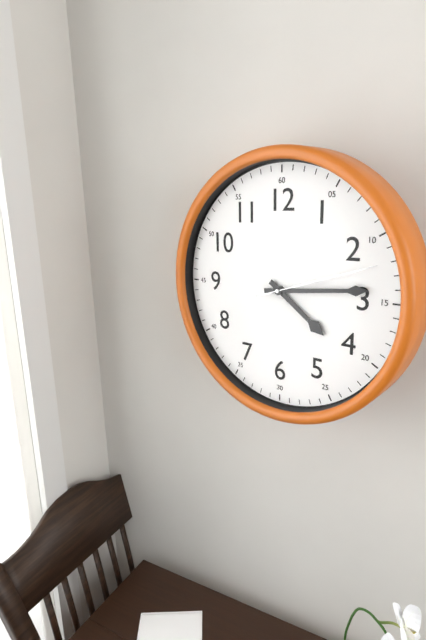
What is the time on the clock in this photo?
4:14:12
